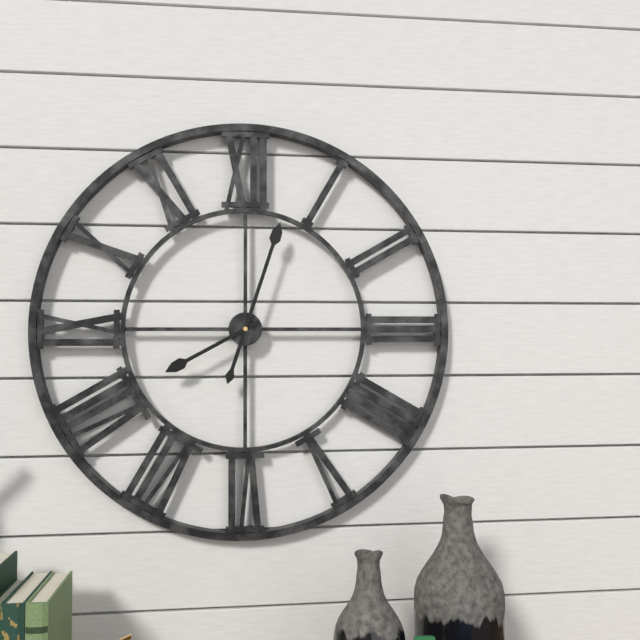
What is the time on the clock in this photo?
8:03
